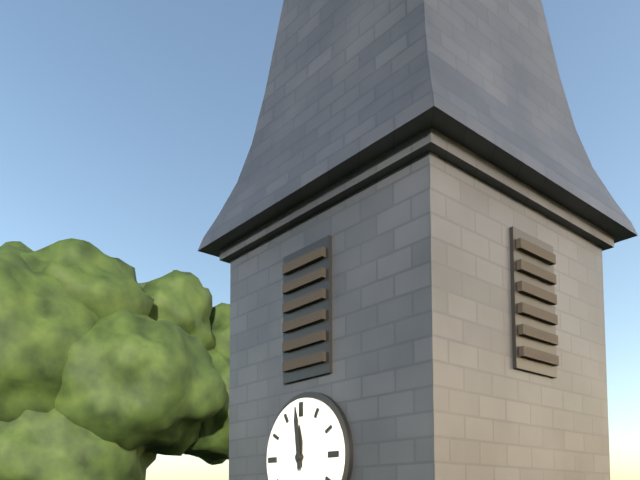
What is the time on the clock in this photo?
11:59
